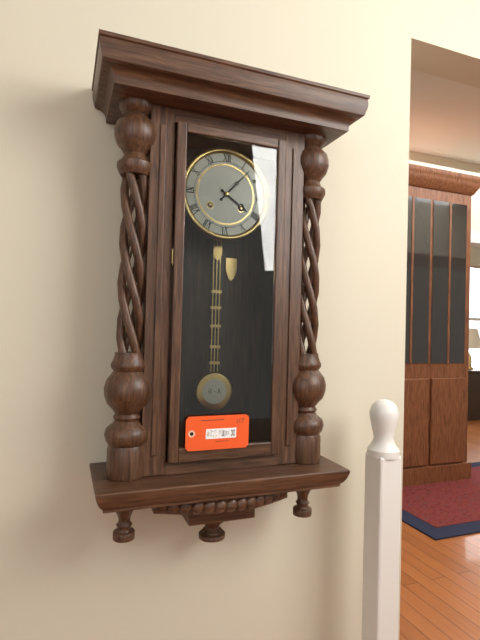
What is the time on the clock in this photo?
4:07
